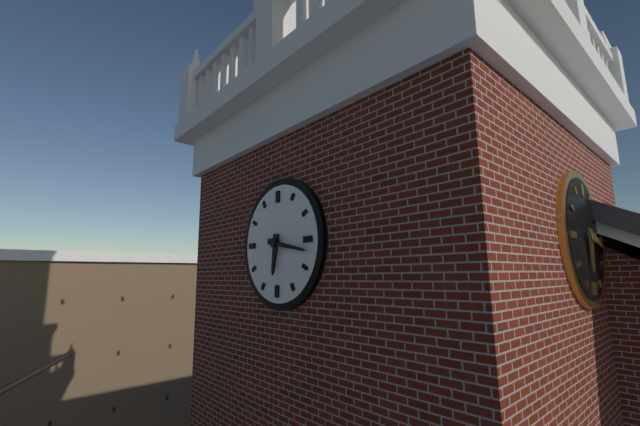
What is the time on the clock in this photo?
6:17
